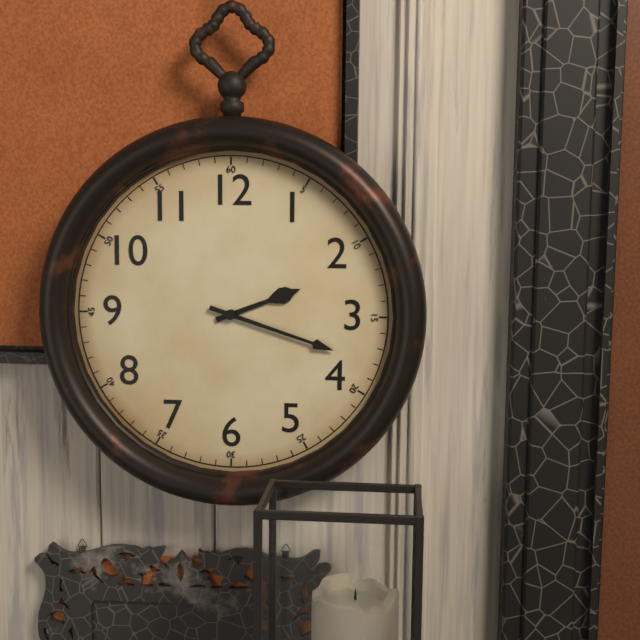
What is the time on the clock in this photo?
2:18
